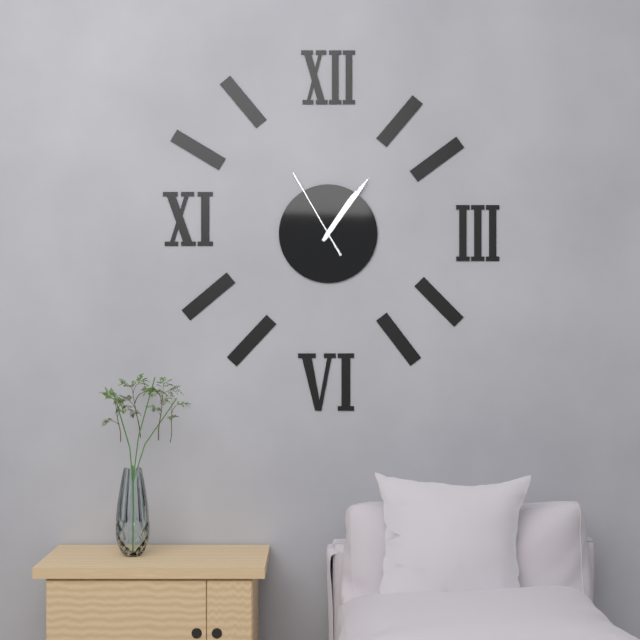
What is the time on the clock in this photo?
1:06:55
